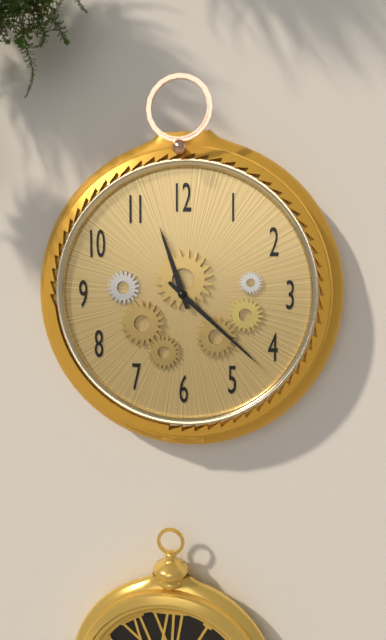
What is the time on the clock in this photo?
11:22
